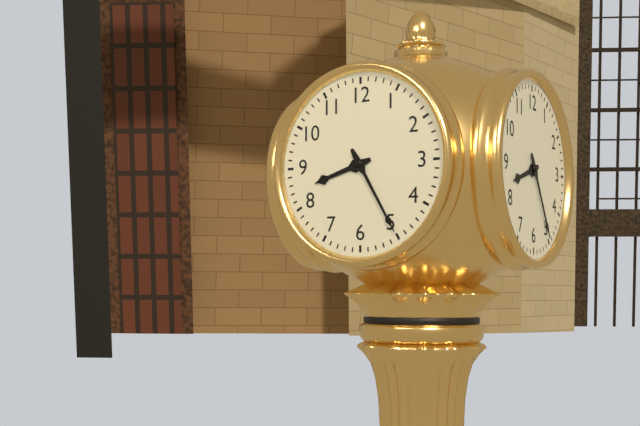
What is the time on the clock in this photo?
8:25
